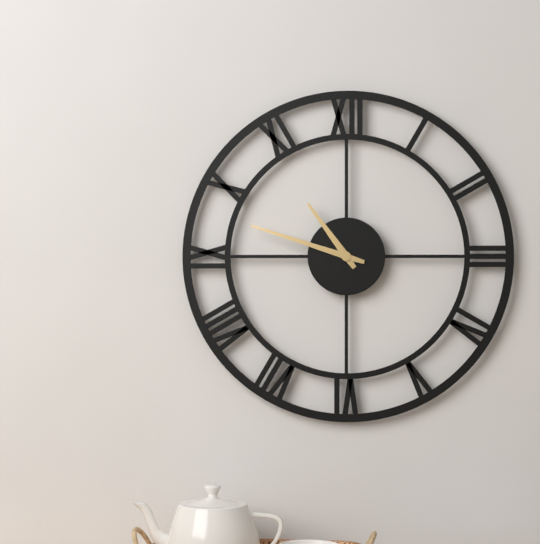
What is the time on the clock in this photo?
10:48
